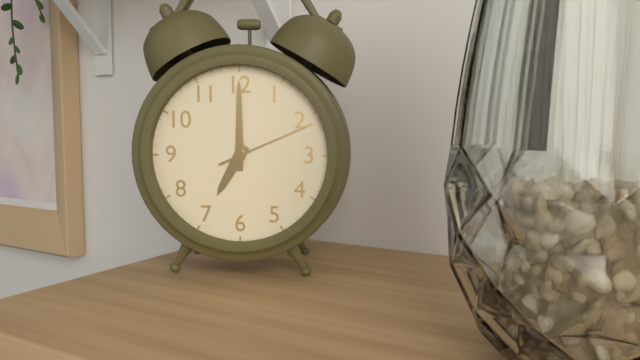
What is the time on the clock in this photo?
7:00:11
